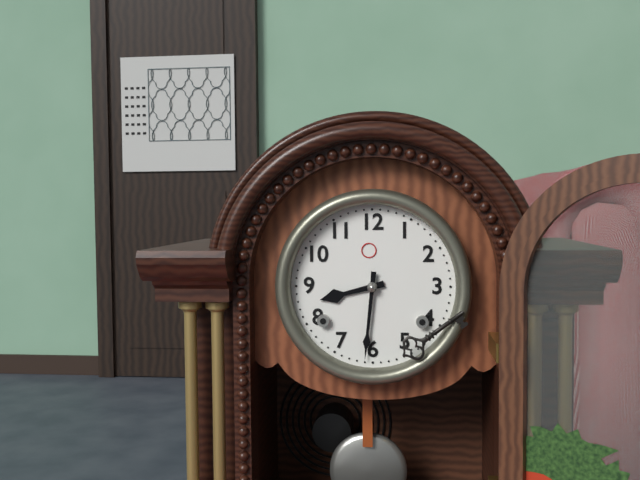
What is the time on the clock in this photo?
8:31
